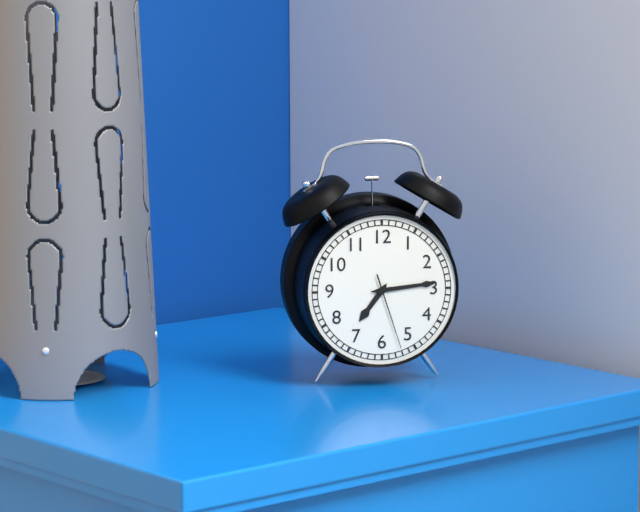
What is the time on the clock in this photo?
7:14:27
